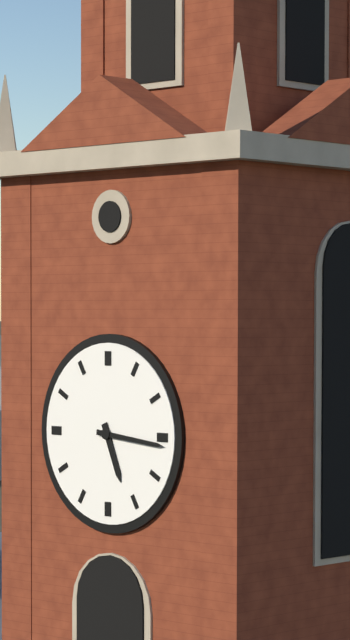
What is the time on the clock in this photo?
5:16
